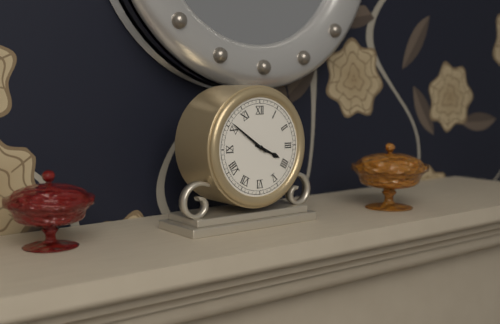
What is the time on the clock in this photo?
3:51
